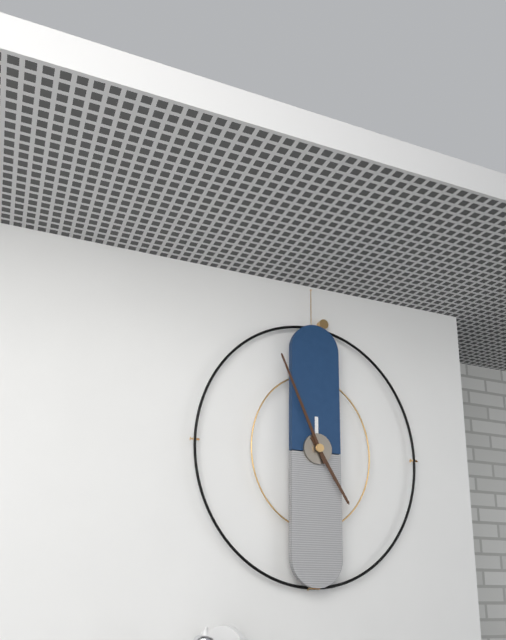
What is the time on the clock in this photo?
4:56
